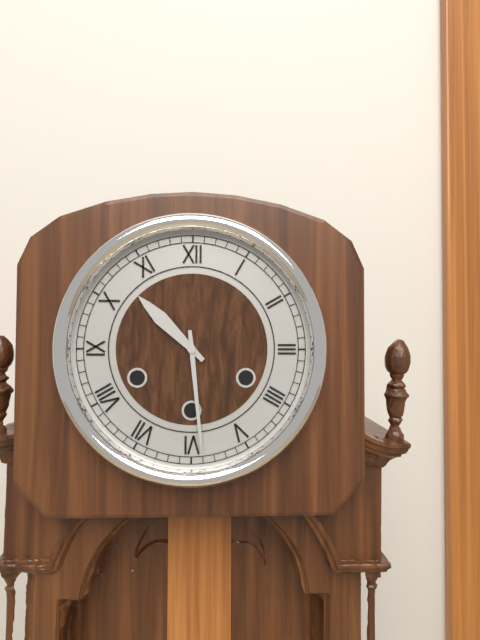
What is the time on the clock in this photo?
10:29
